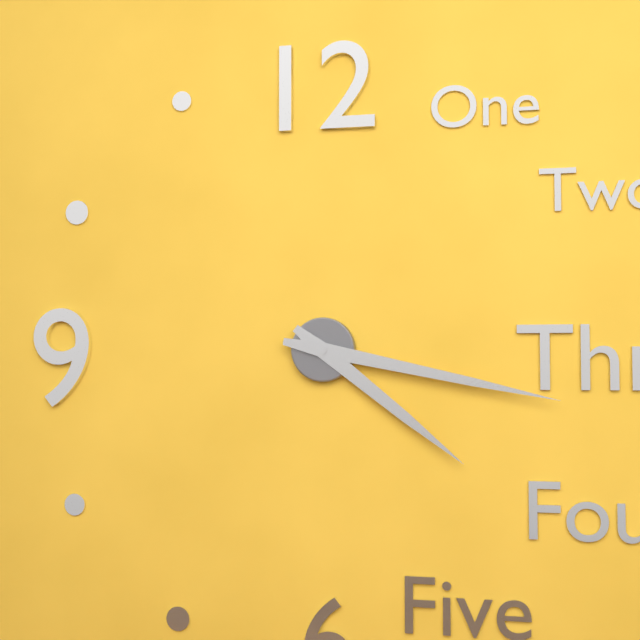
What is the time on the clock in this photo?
4:17
